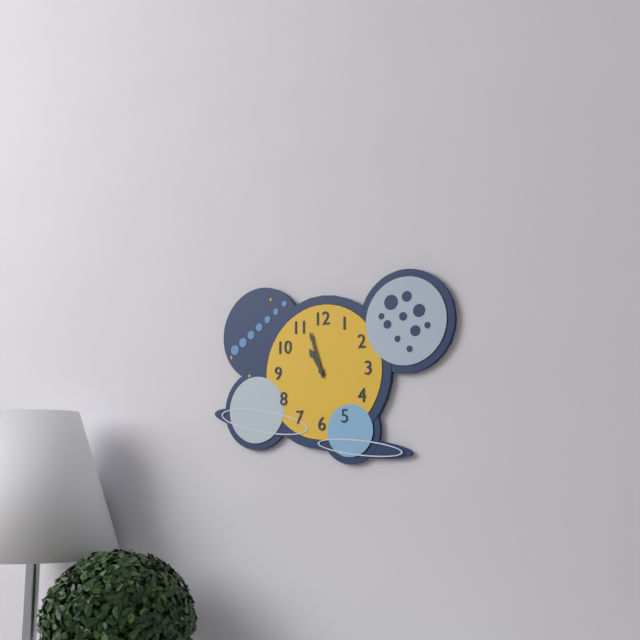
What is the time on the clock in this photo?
10:57
